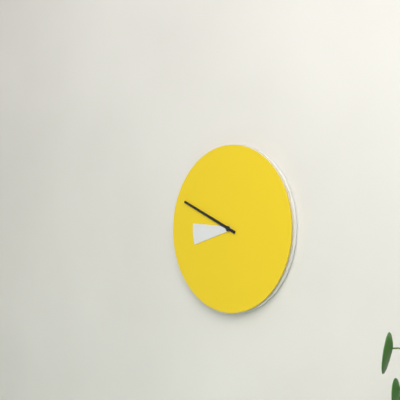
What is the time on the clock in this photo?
8:49
